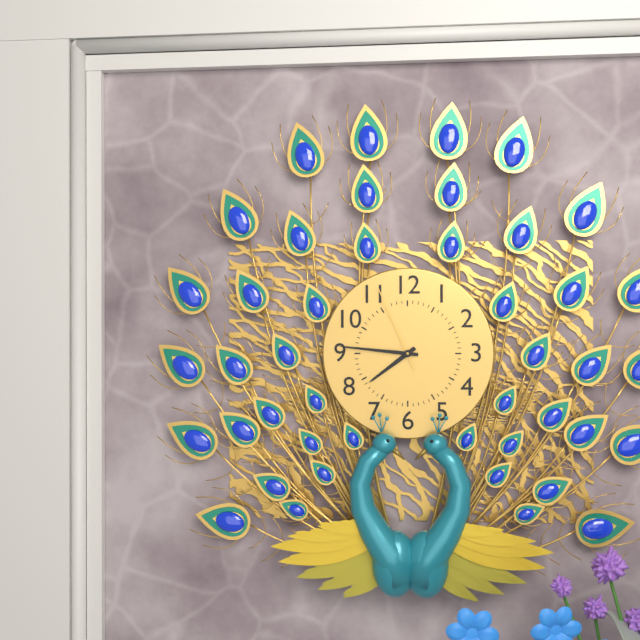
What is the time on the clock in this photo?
7:46:56
